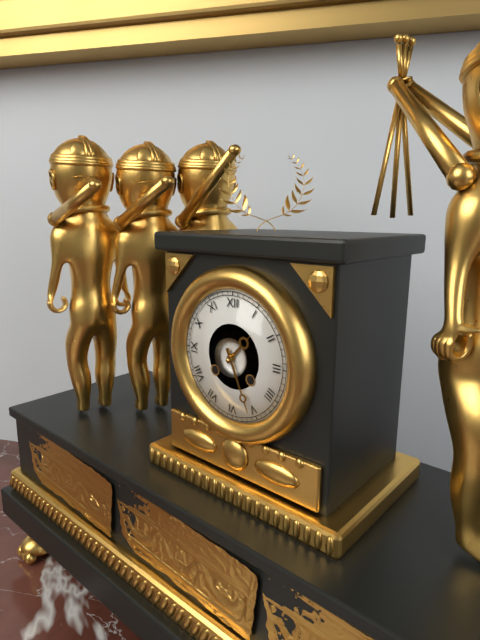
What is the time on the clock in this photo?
1:26
